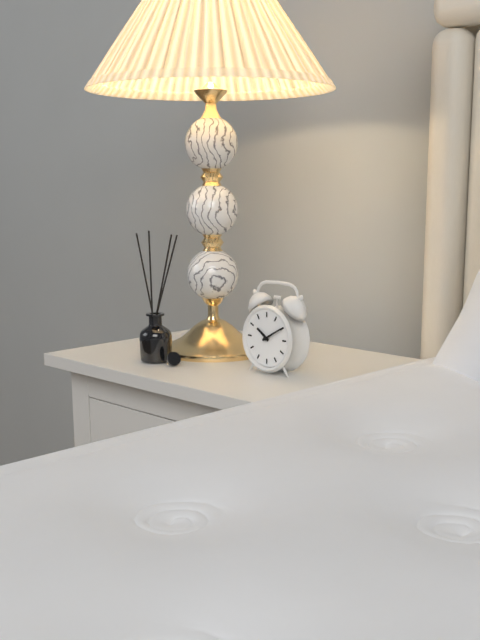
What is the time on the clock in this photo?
10:10
